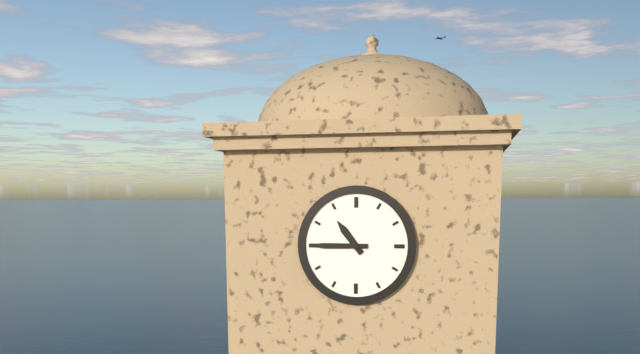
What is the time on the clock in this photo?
10:45
